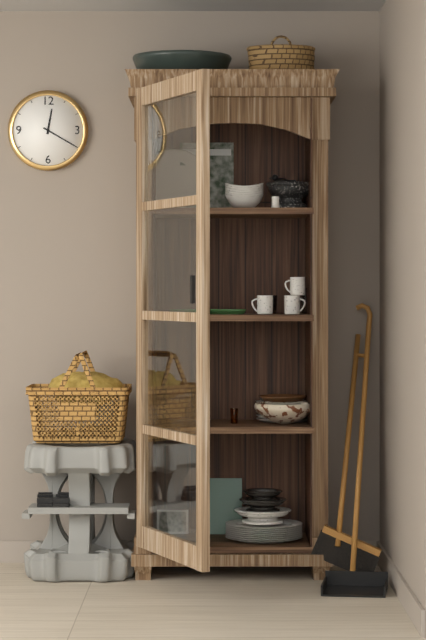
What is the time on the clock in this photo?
12:20
